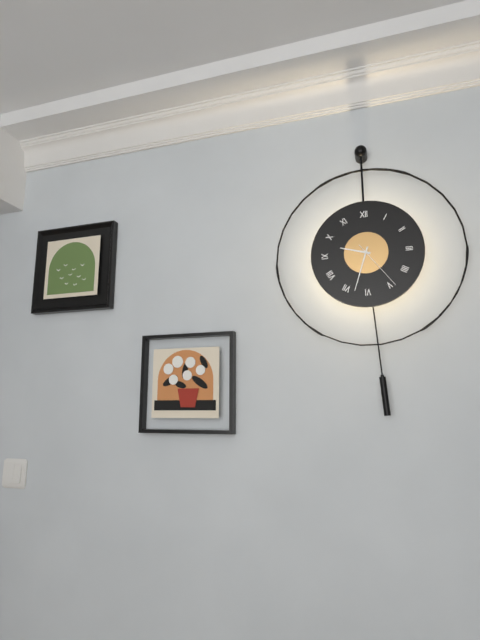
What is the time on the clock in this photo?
9:33:24
